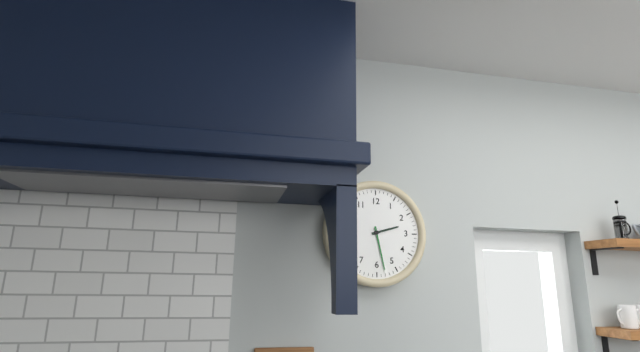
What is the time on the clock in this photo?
2:28
